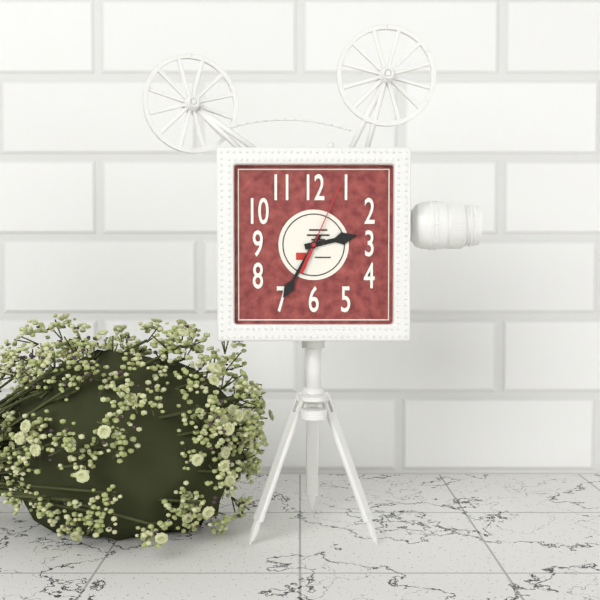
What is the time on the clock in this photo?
2:35:04
